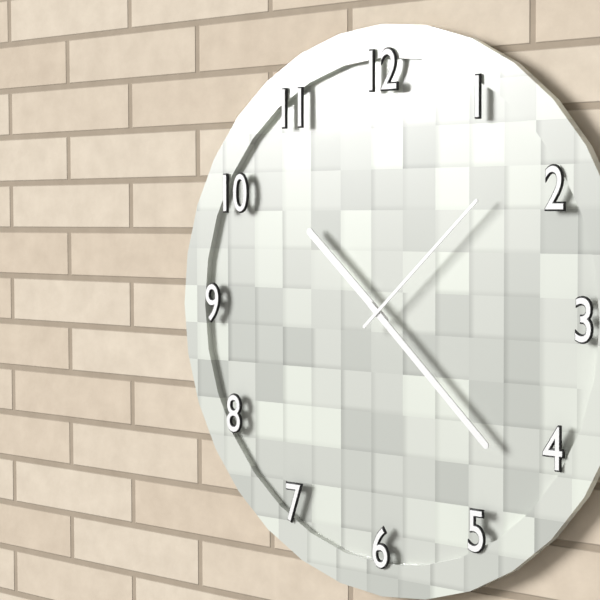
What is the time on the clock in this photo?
10:22:08
